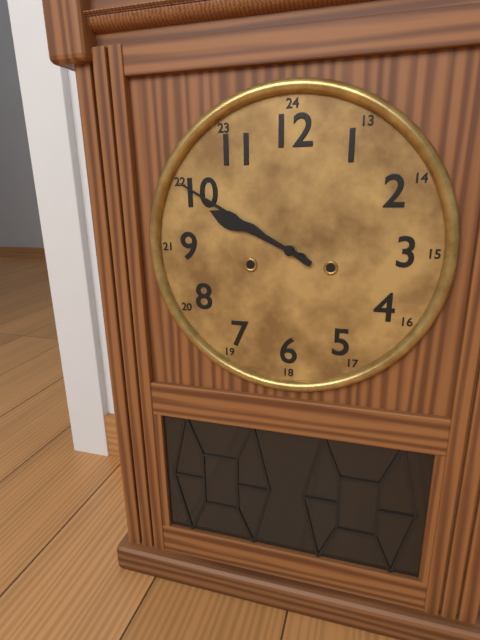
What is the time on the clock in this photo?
9:50
